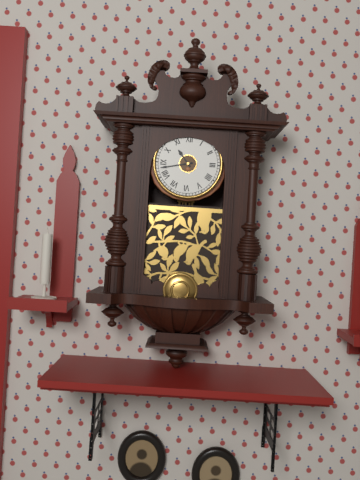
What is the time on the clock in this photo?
10:43
